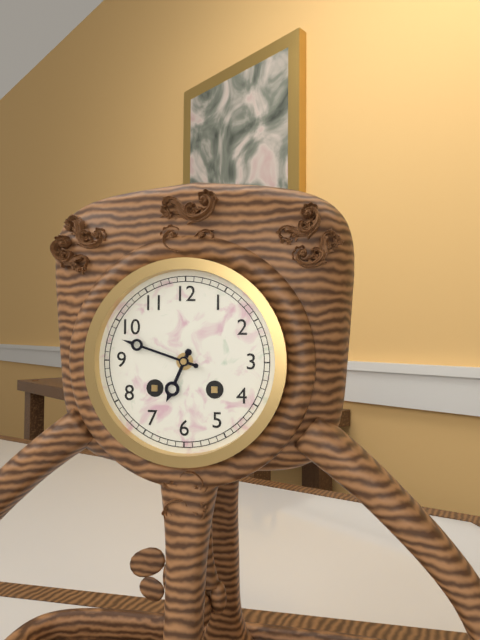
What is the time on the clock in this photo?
6:48
